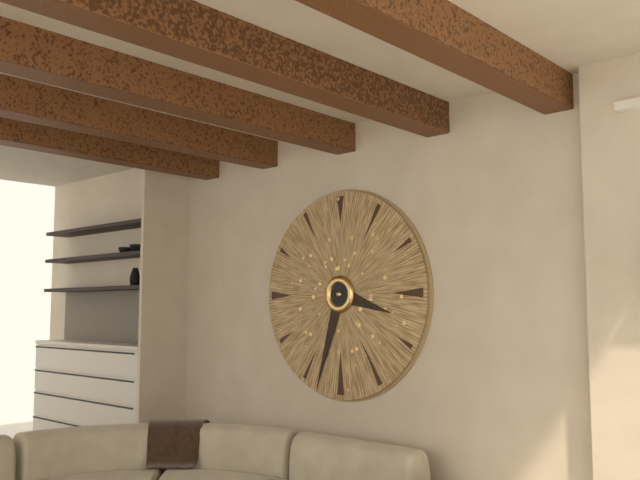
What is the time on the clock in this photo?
3:33
